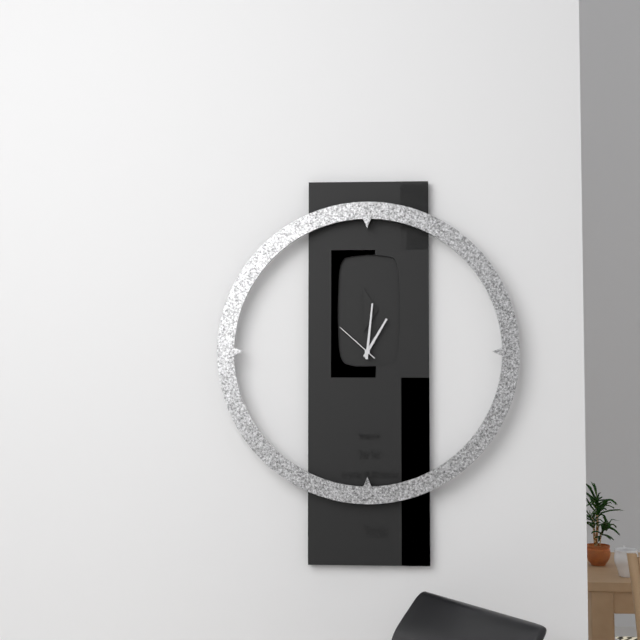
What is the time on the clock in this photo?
1:01
